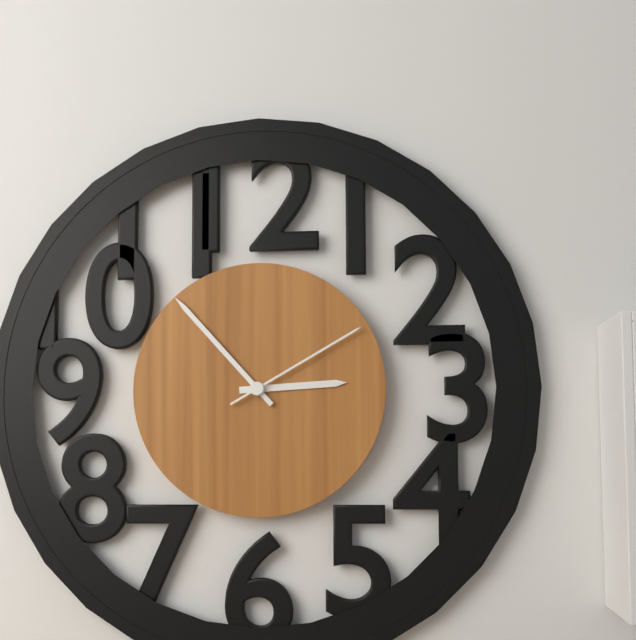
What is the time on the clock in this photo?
2:53:10
